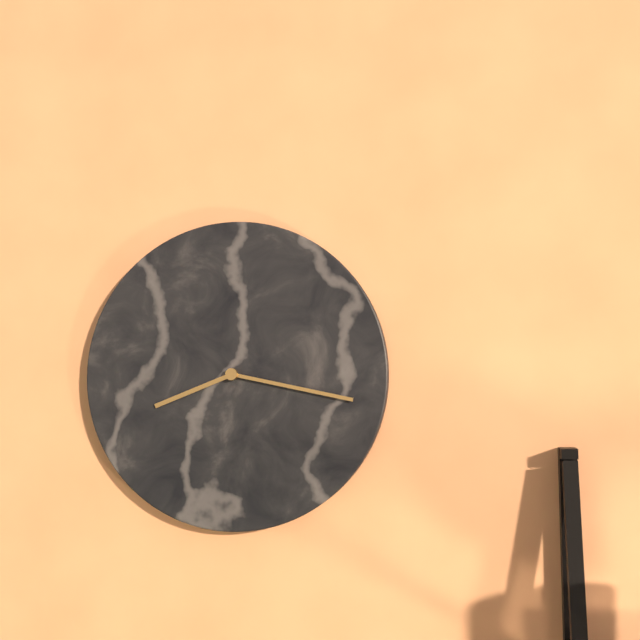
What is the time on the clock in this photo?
8:17
